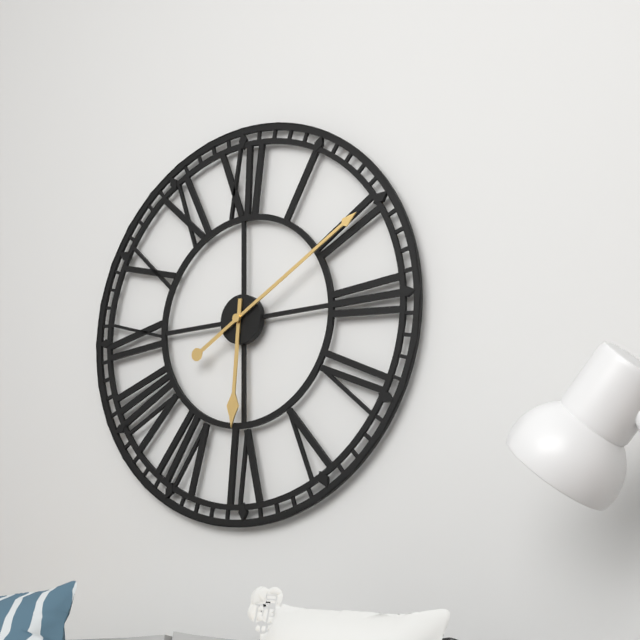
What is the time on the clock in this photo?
6:10
